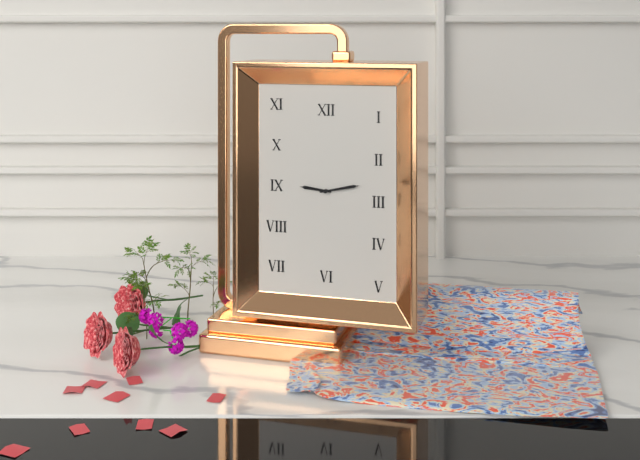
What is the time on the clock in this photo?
9:13
